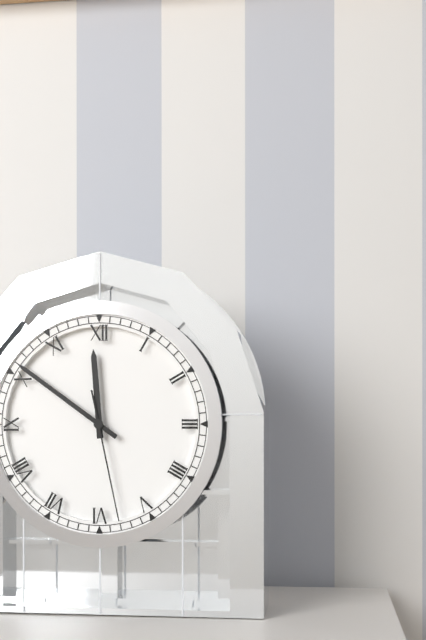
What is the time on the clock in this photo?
11:51:28
